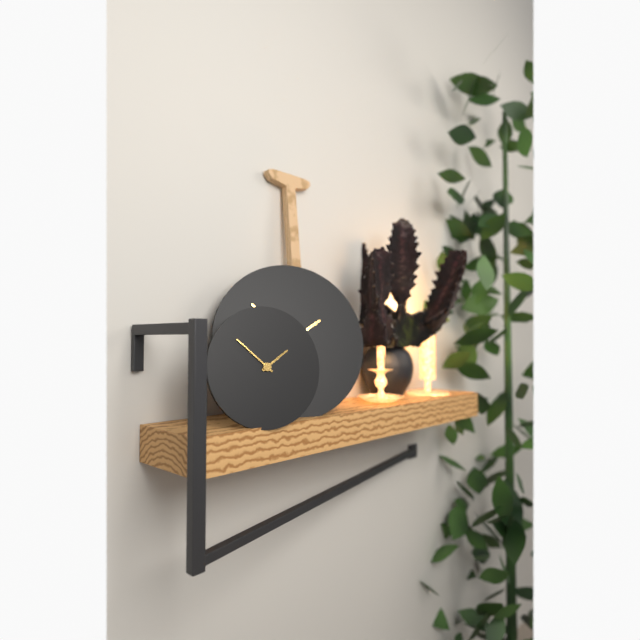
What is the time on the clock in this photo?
1:52
